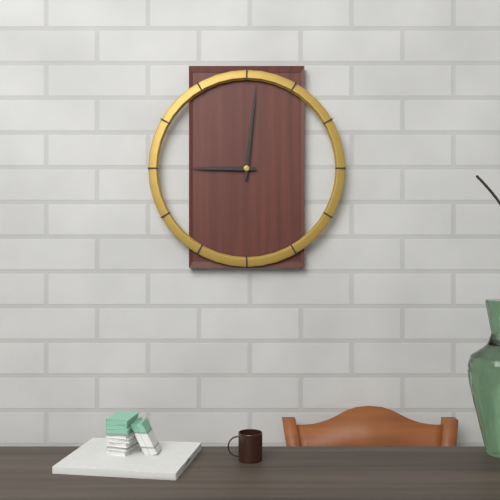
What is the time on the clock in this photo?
9:01
